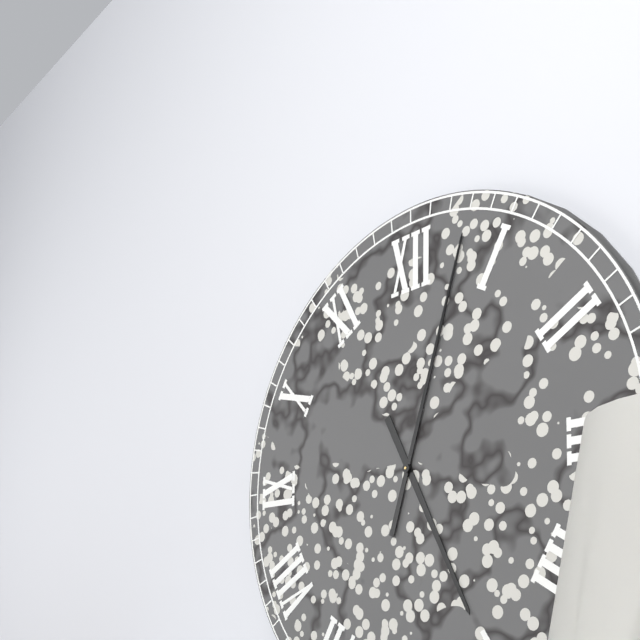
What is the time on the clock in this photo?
5:03
